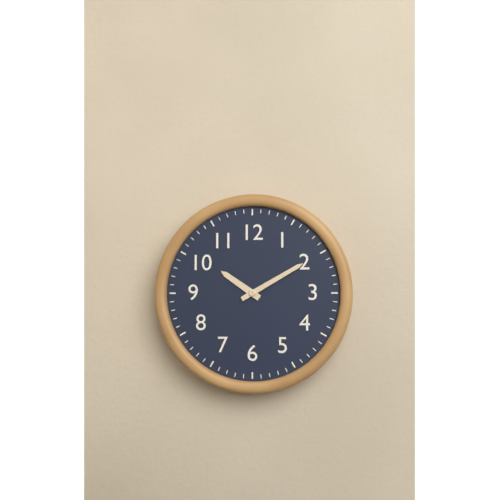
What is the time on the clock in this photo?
10:10
